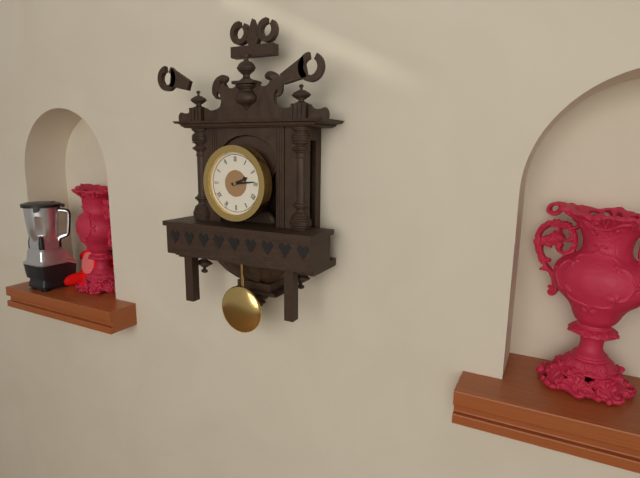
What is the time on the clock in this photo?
2:14
